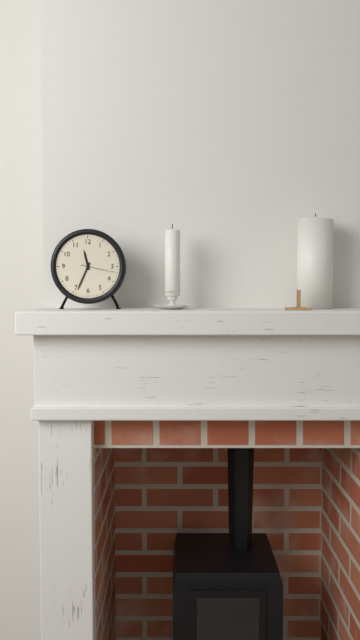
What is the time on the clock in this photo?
11:34
